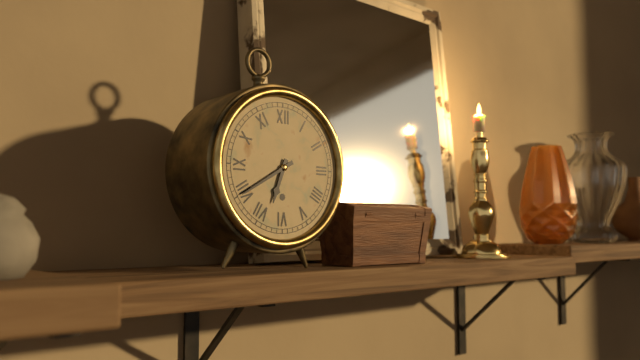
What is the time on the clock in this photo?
6:40
